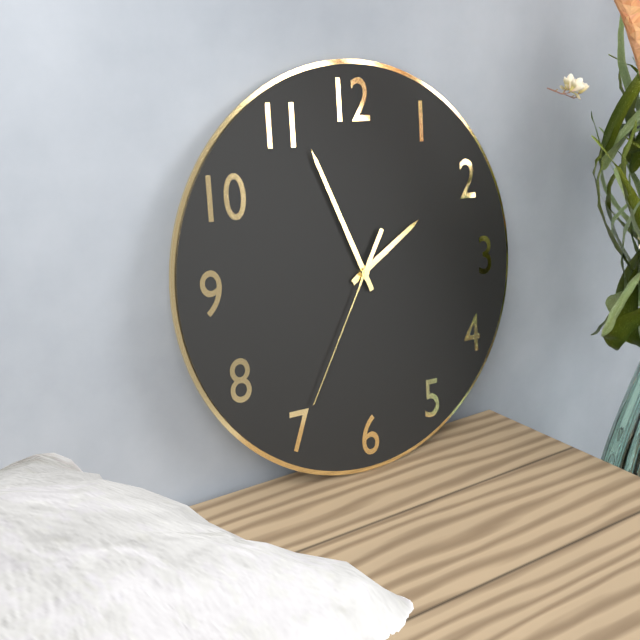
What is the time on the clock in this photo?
1:56:35
